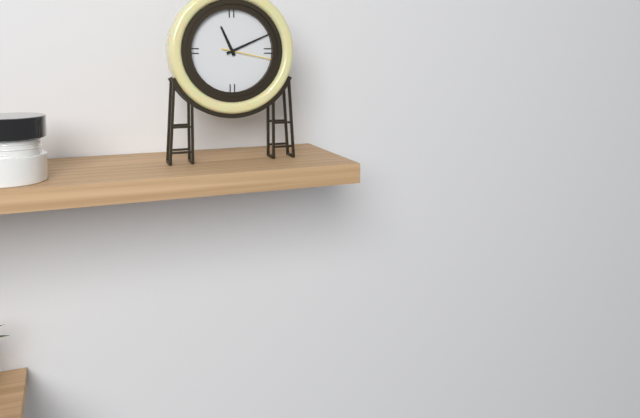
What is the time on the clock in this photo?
11:11:17
